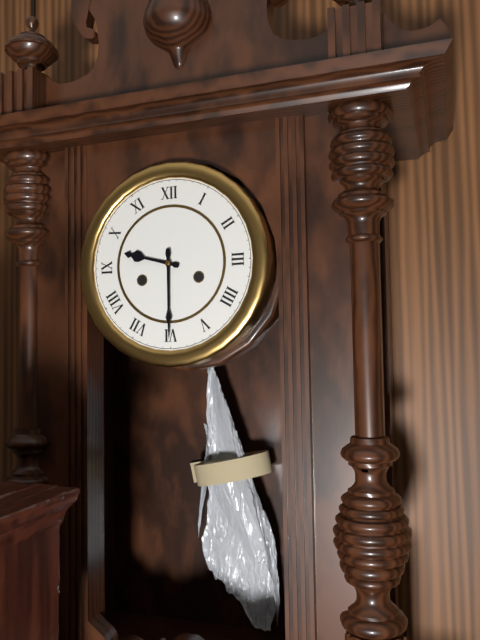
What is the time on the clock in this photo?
9:30
